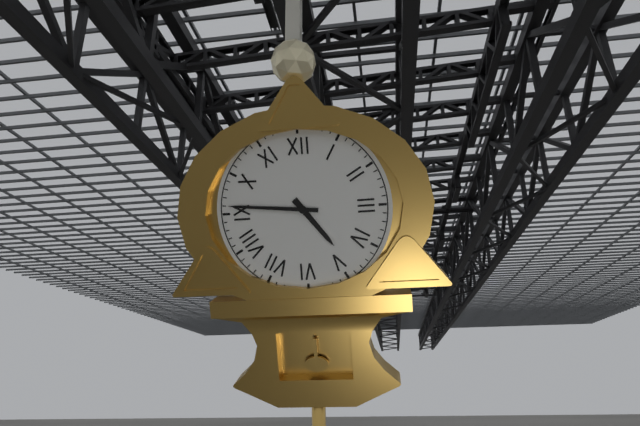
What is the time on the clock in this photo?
4:46
